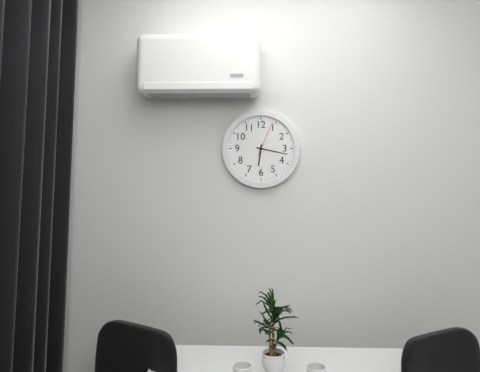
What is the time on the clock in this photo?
6:17
